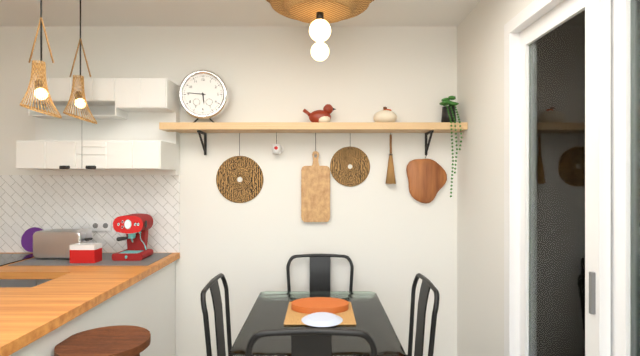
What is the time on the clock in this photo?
5:46
